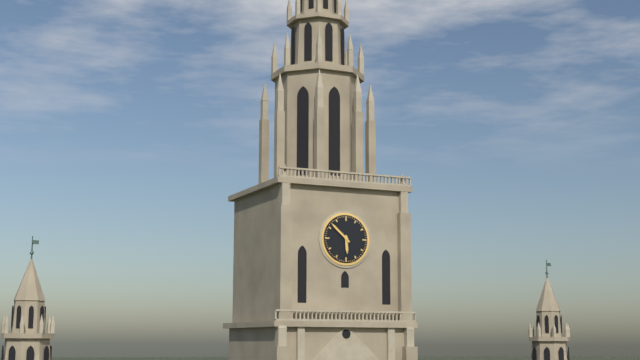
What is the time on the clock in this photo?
5:52
